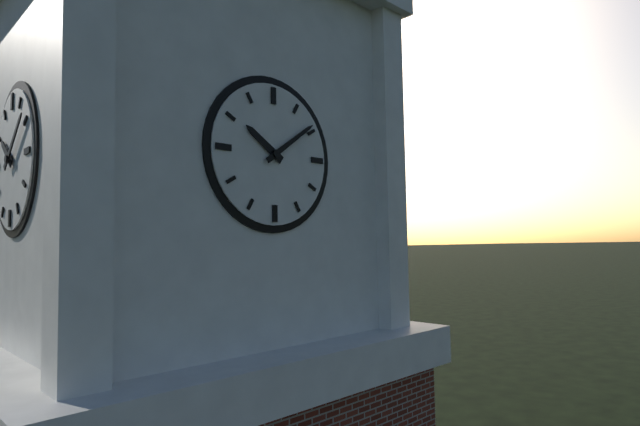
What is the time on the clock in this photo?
10:09
